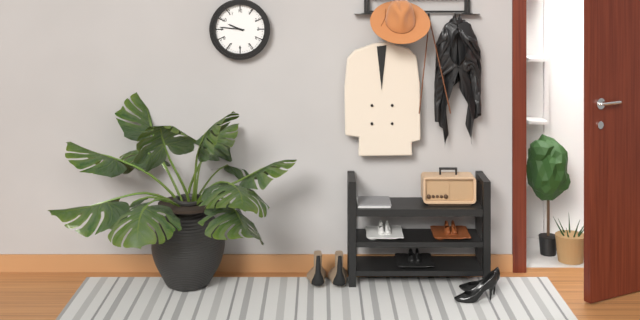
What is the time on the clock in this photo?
9:46
